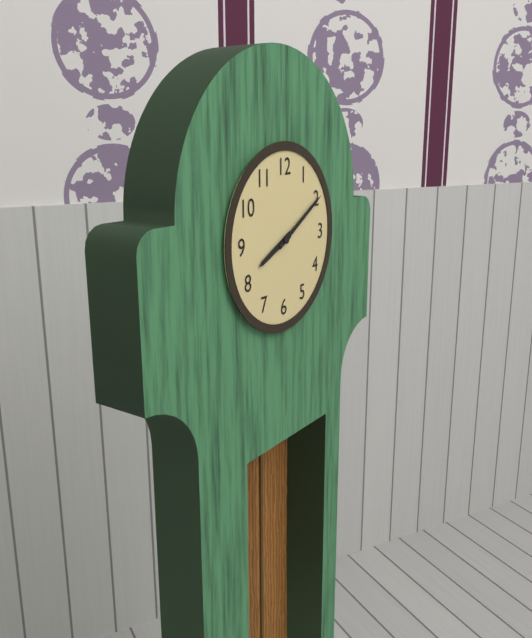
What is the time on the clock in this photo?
8:10
